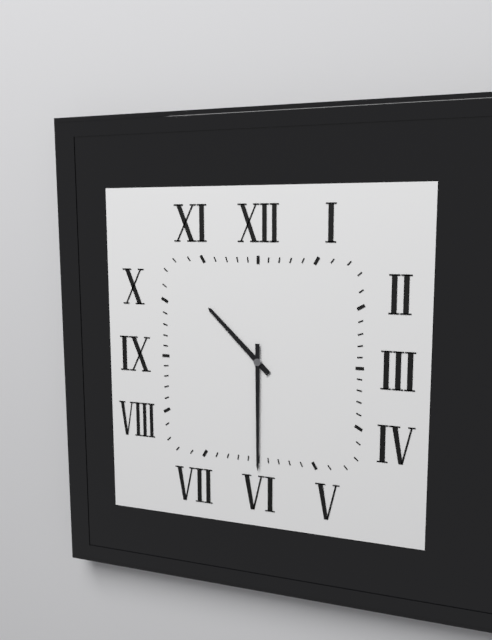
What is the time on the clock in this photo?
10:30
